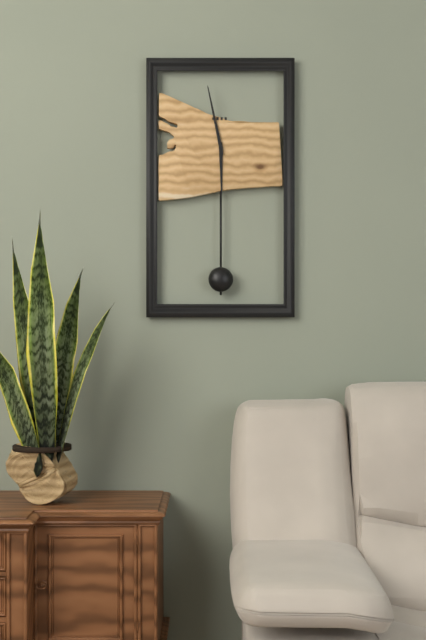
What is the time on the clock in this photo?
5:58
